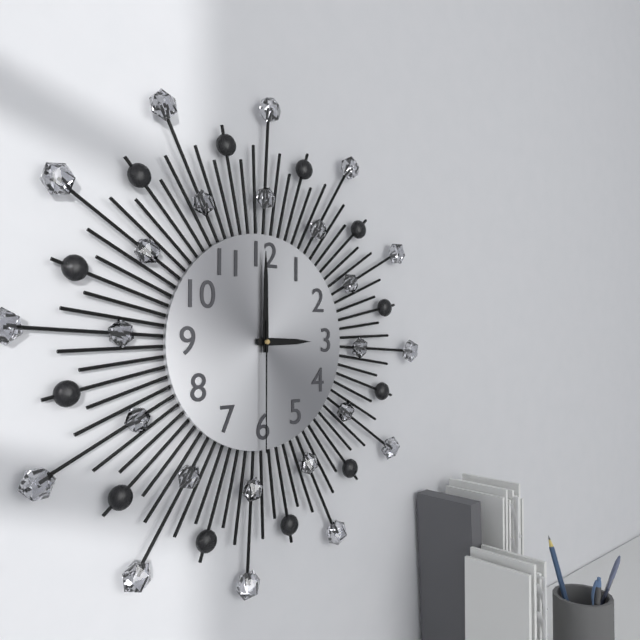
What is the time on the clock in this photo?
3:00:30
